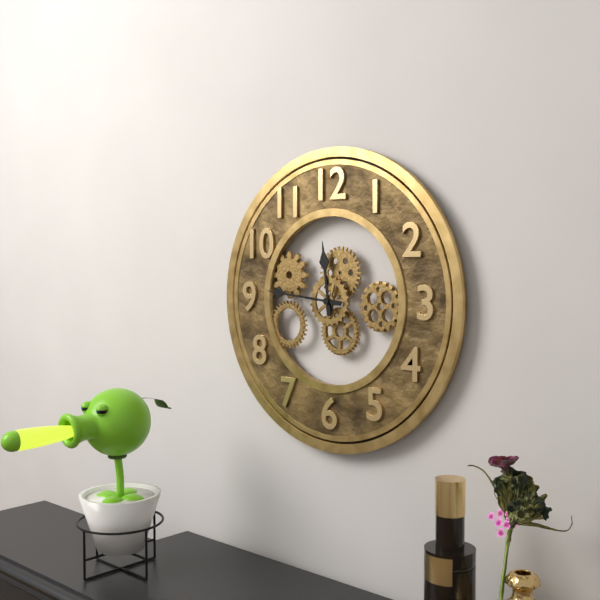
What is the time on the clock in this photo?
11:46
